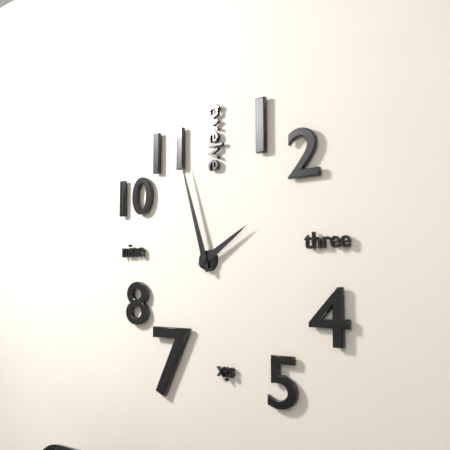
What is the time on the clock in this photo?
1:57
